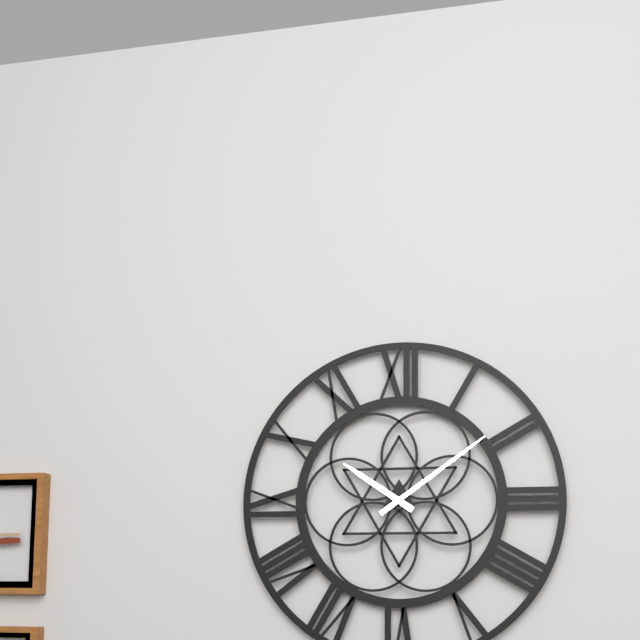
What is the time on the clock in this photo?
10:09
